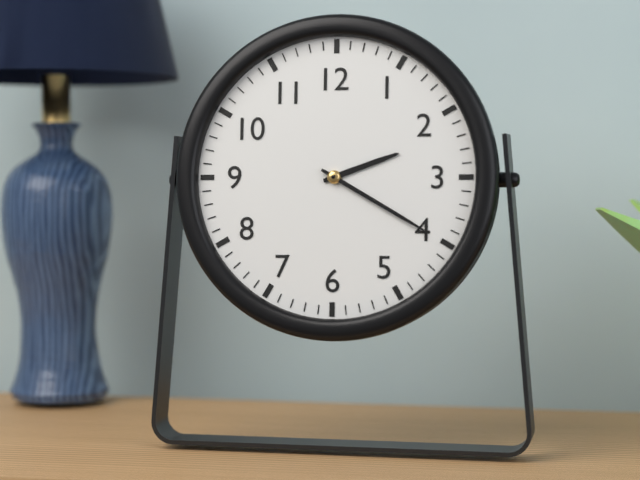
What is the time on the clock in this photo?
2:20
